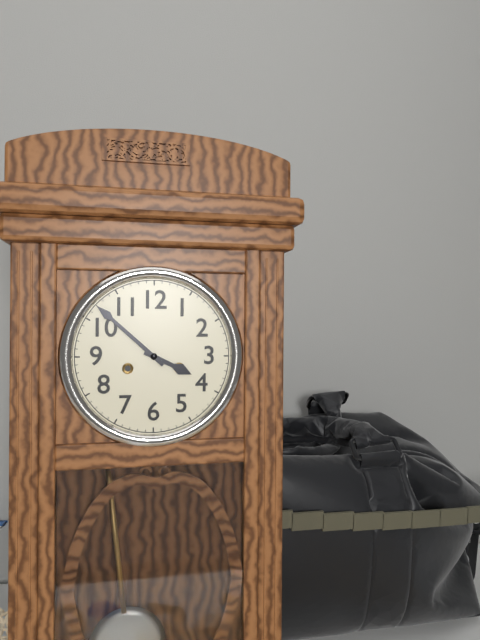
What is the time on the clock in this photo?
3:52
